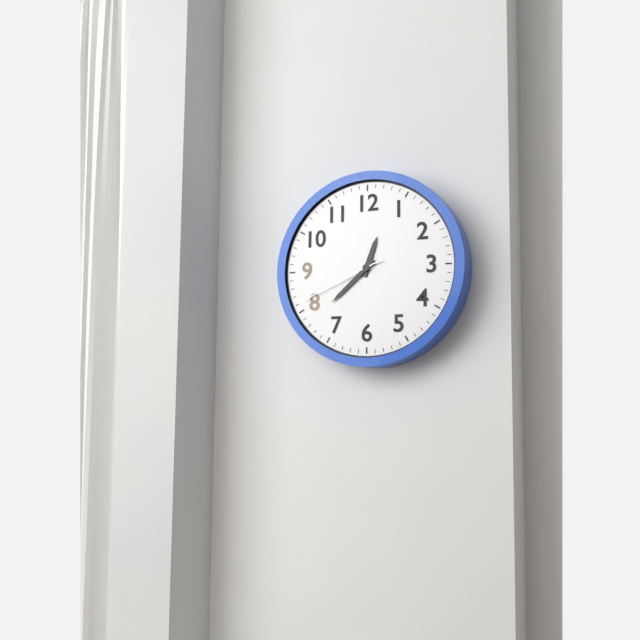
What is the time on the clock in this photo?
12:38:41
